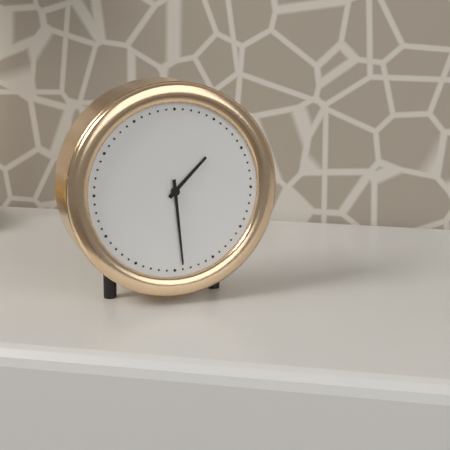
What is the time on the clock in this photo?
1:29
